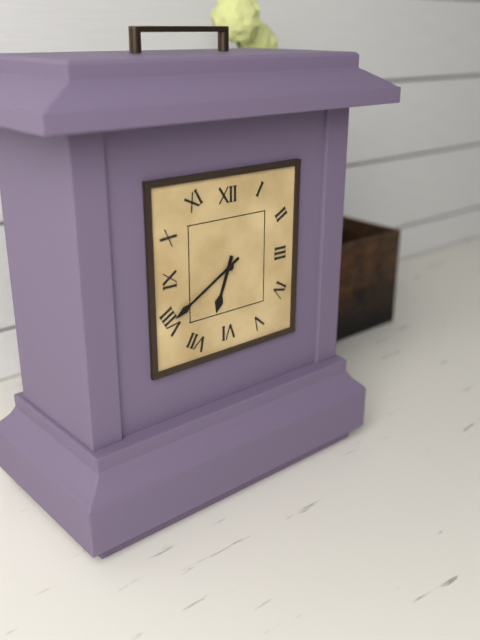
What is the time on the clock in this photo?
6:40
